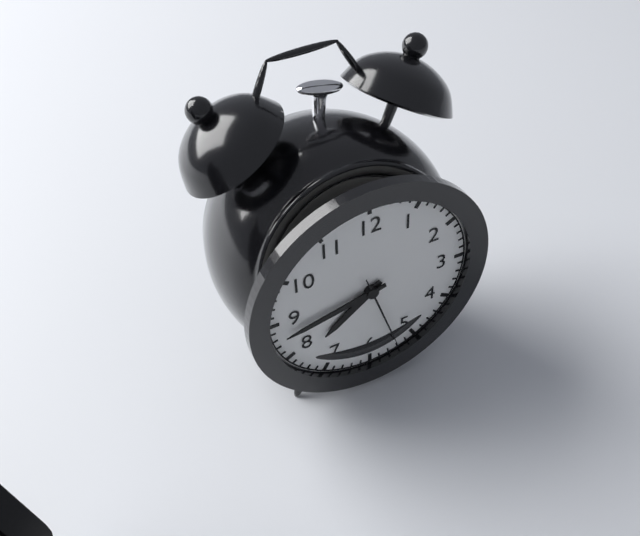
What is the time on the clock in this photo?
7:43:27
